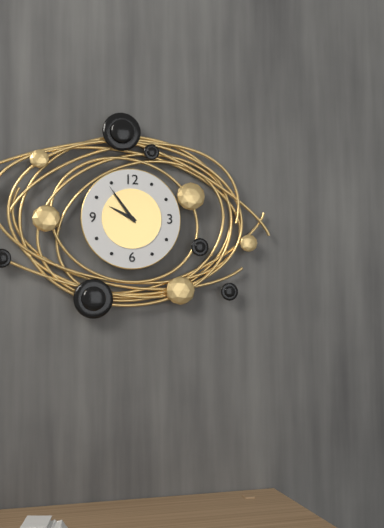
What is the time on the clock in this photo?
9:54
